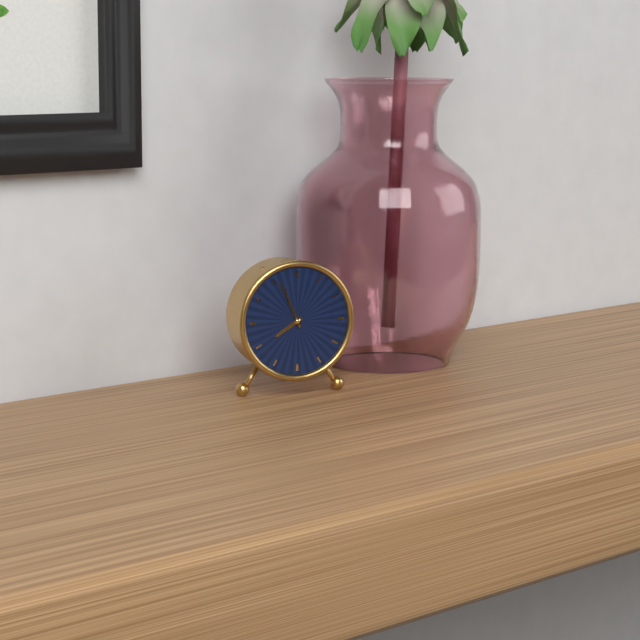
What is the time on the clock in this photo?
7:56
